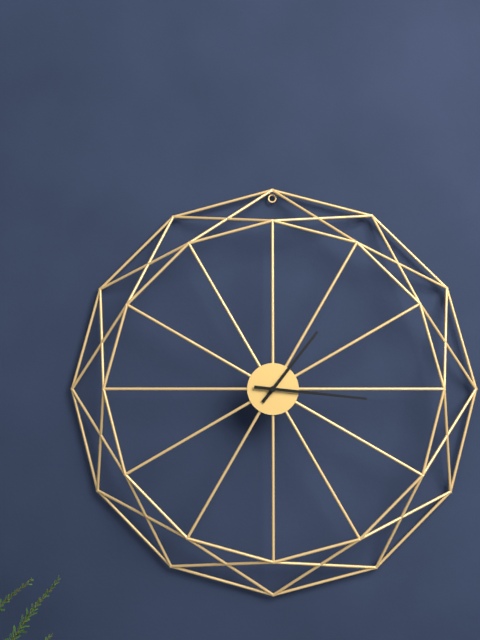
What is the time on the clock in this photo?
1:16
